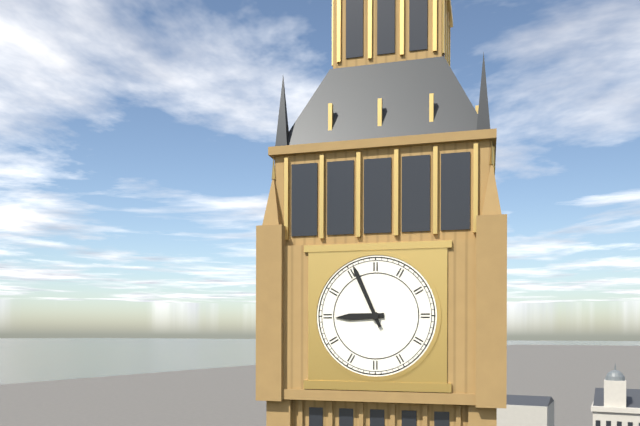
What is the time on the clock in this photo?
8:56
